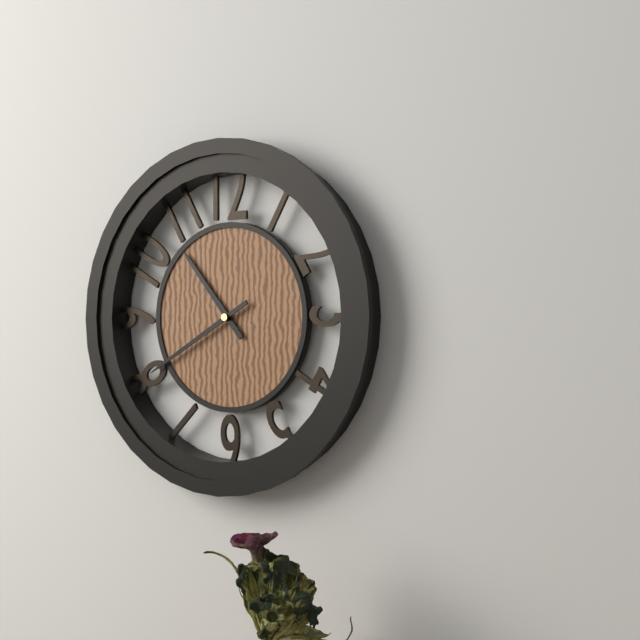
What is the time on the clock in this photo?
10:40
